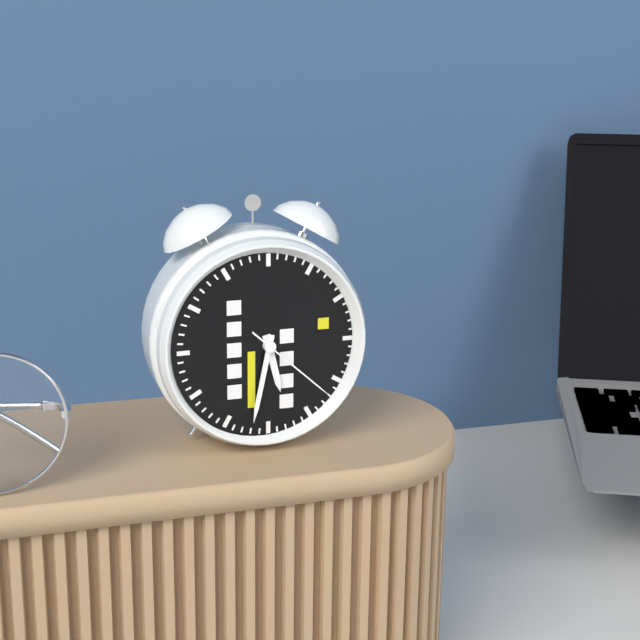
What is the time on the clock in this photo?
5:32:22
